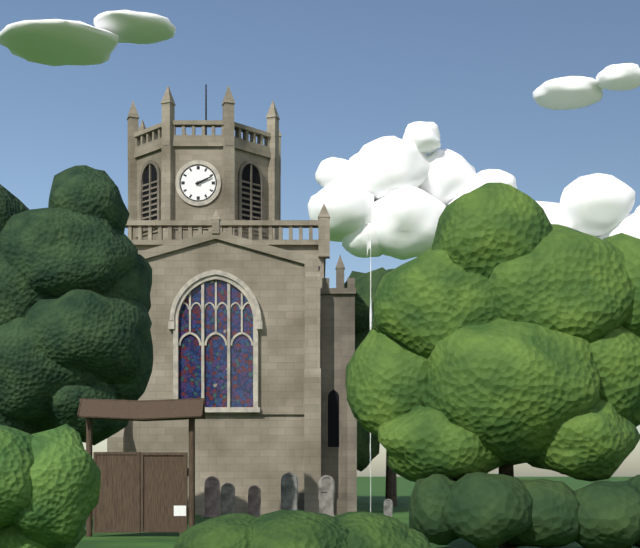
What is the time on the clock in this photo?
2:11
